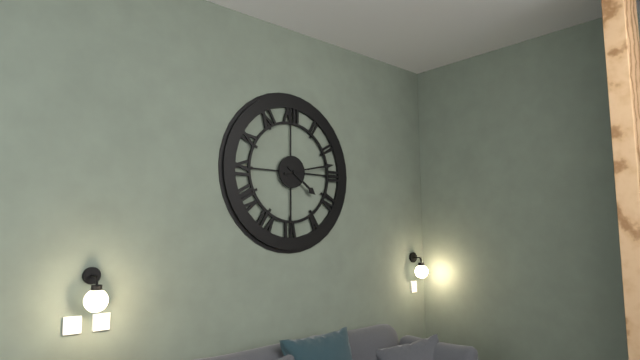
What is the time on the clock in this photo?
4:13
